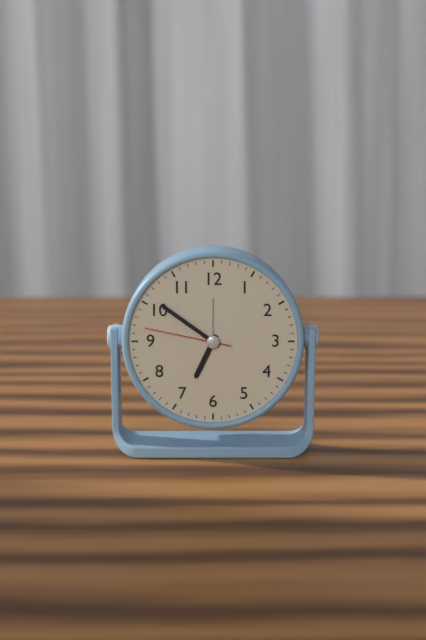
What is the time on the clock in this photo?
6:51:47
